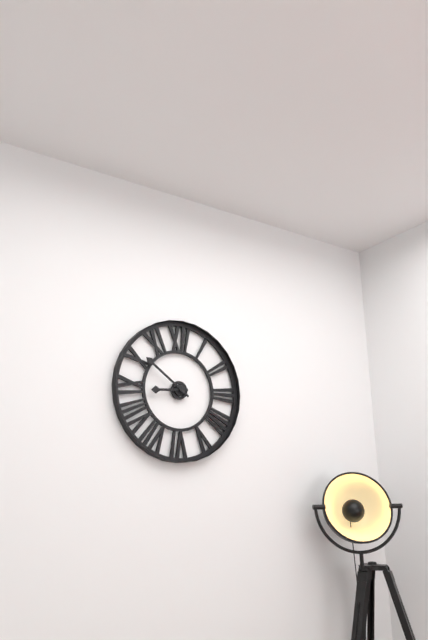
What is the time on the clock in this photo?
8:51
